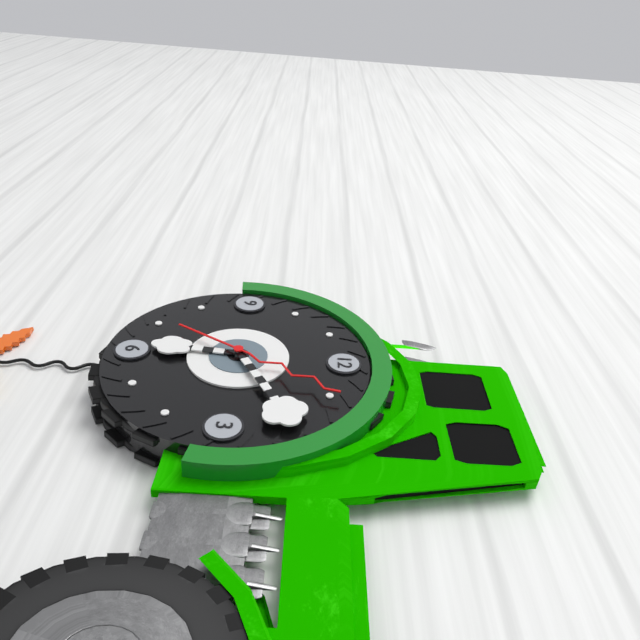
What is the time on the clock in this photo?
6:10:05
